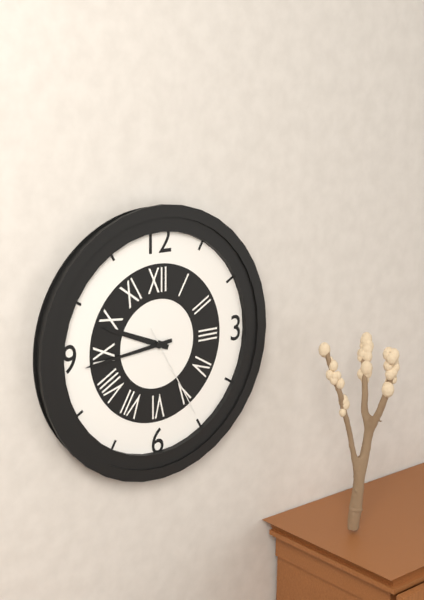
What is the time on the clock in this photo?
9:44:25
